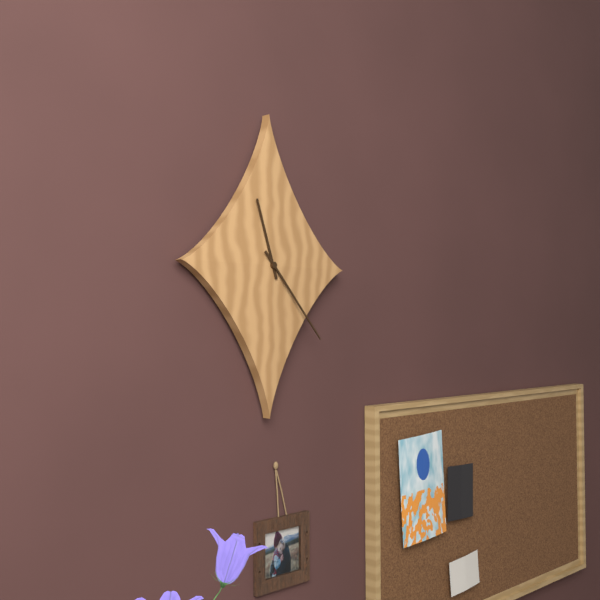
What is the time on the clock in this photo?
11:23
